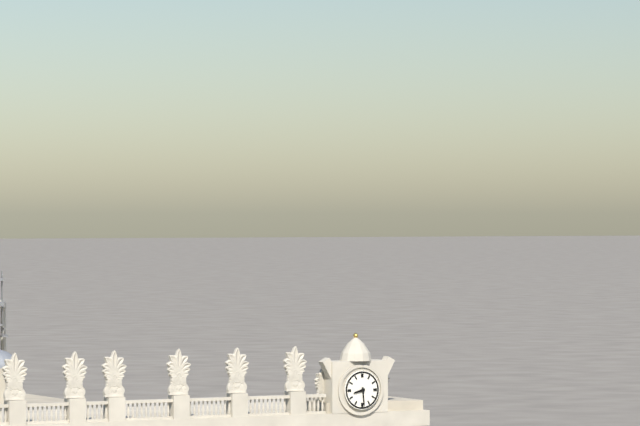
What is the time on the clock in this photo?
8:29
